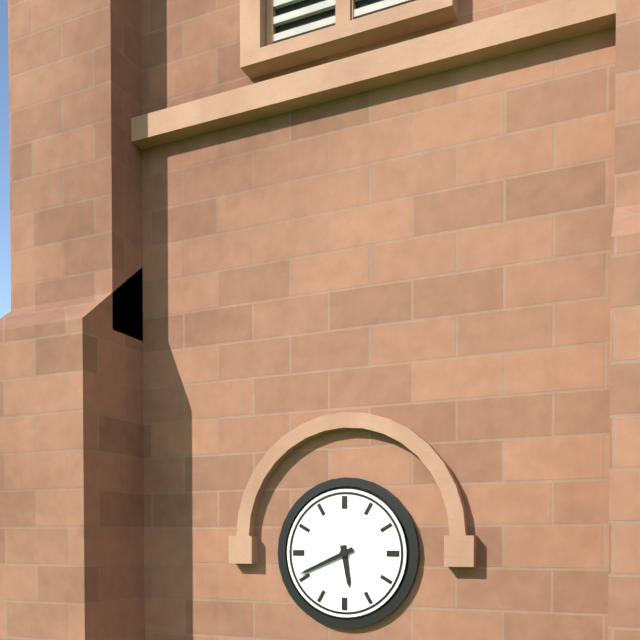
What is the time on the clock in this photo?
5:41
